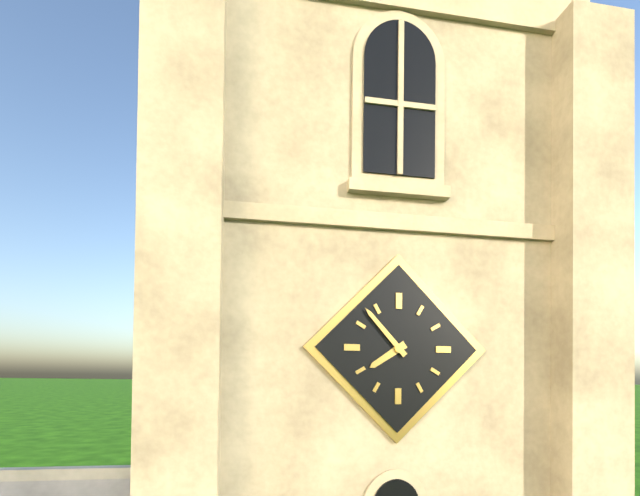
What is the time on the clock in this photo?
7:53
